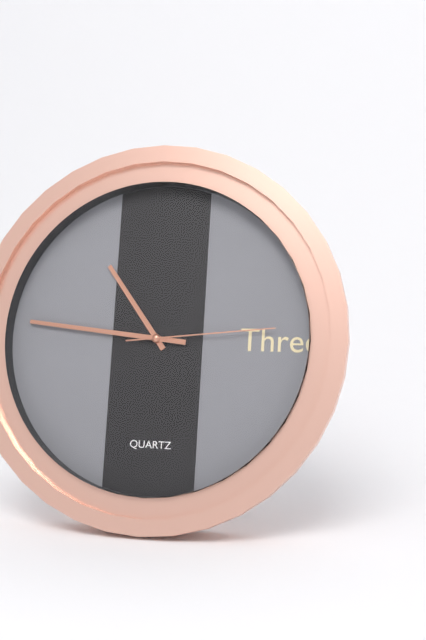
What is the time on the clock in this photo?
10:46:14
